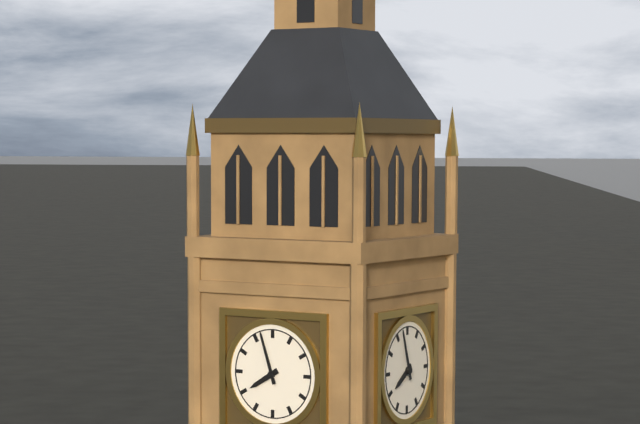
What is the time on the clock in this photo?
7:57
